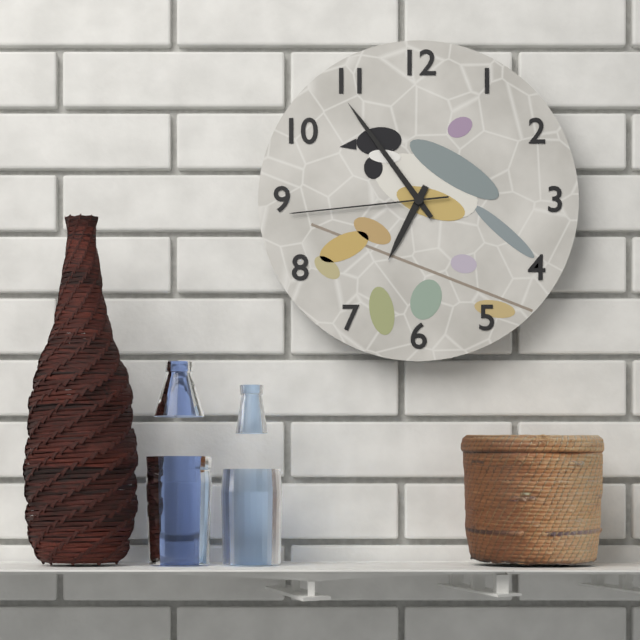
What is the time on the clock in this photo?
6:54:44
